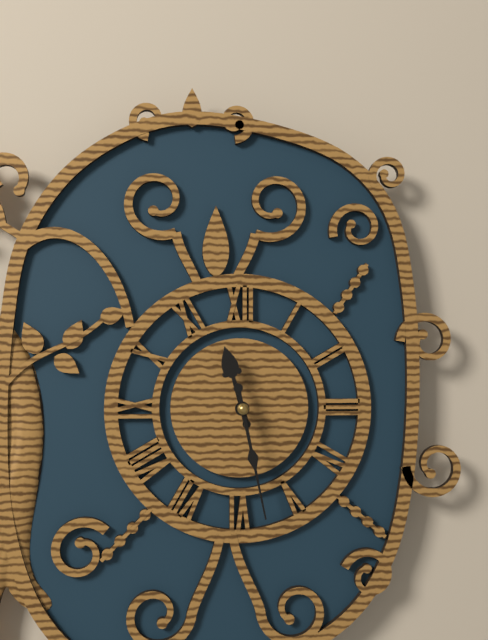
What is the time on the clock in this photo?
11:28
